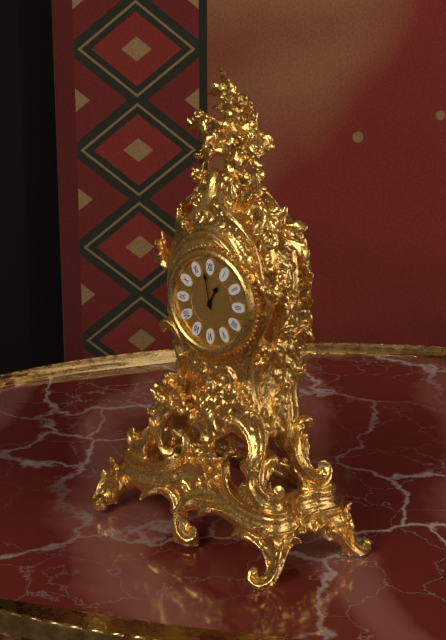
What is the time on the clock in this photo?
12:58
